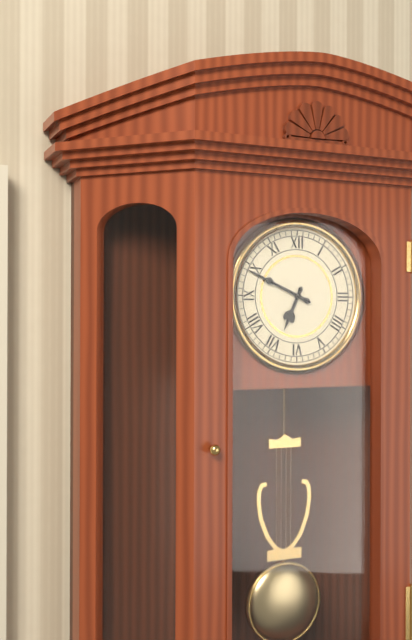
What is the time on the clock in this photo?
6:49
